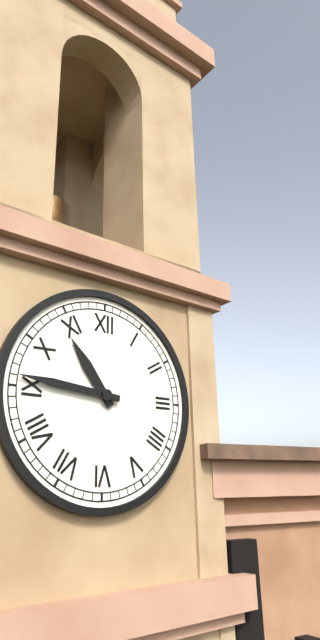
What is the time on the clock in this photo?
10:46
